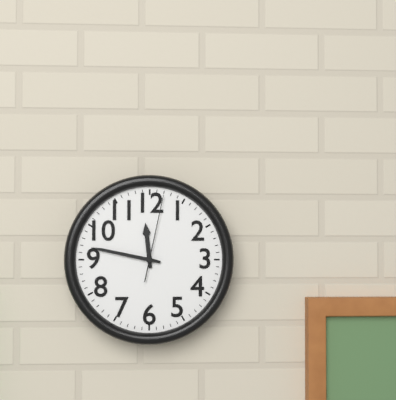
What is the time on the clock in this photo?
11:47:02
